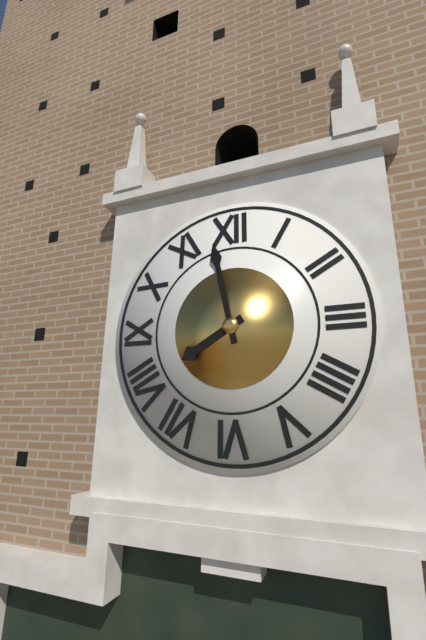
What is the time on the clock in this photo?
7:58
